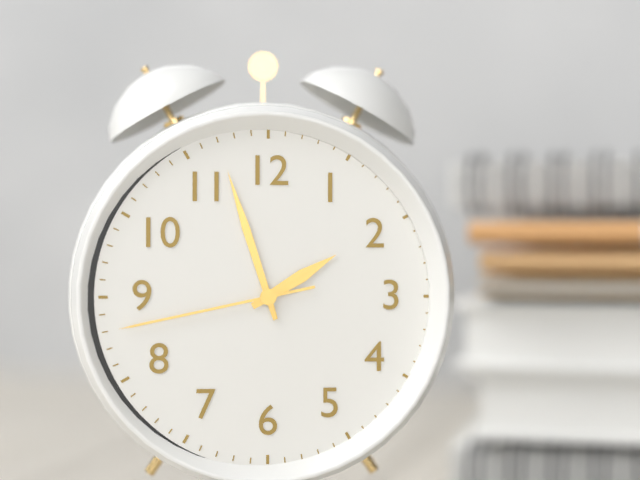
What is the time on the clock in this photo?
1:57:43
